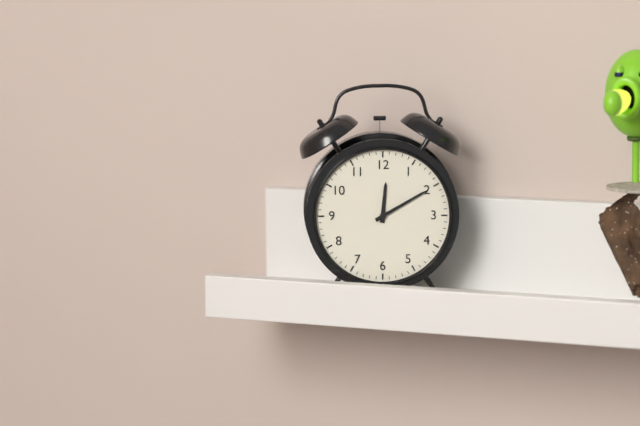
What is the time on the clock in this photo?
12:10
